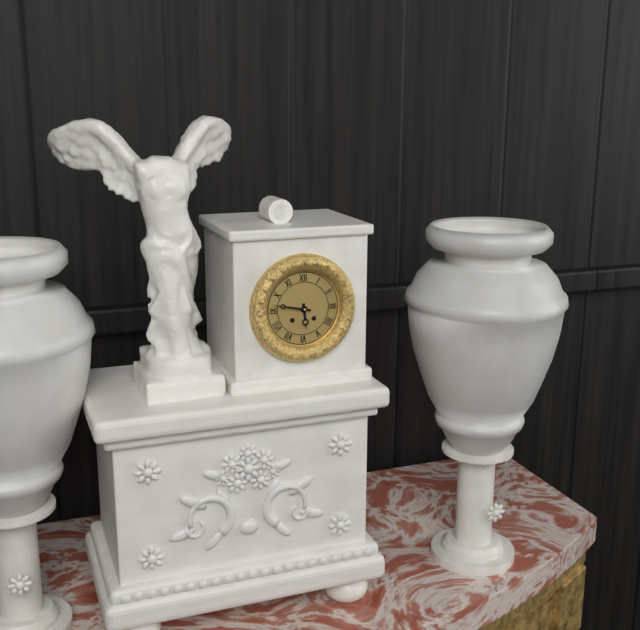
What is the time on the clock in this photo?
5:47
